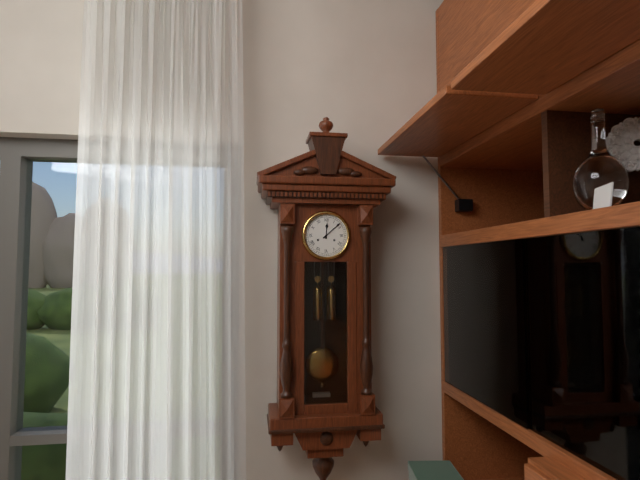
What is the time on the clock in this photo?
12:08
